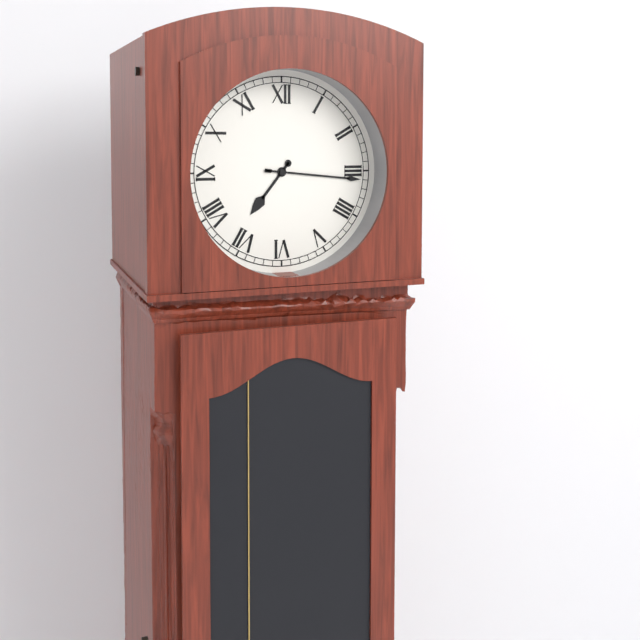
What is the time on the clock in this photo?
7:16
